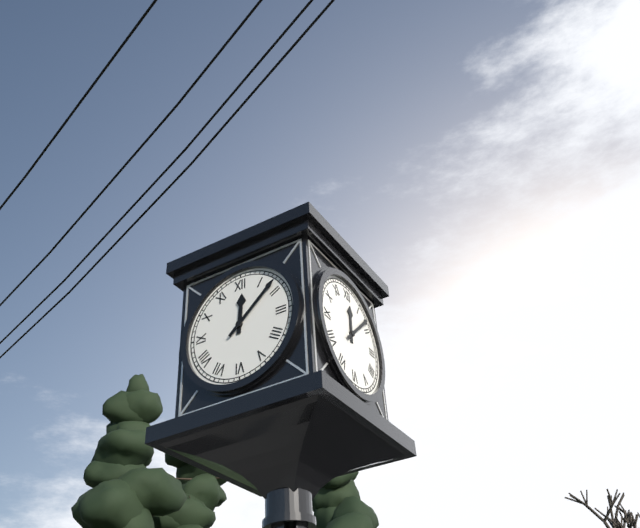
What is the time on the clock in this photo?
12:08
